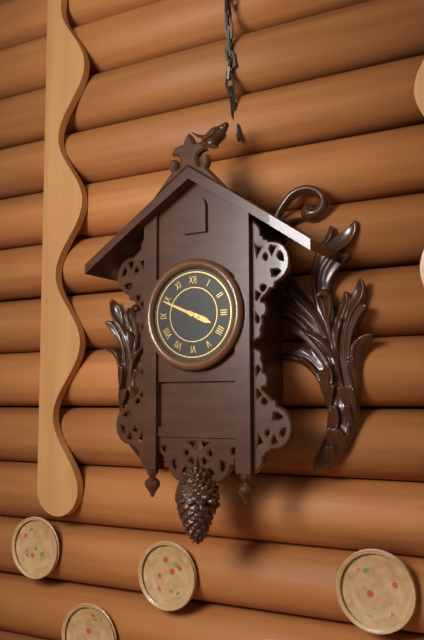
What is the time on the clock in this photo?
3:49
